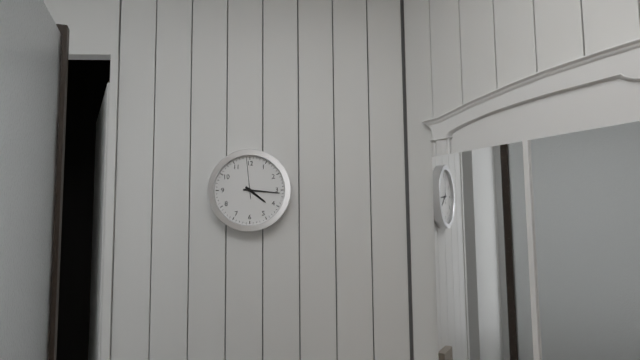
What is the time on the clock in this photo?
4:16
